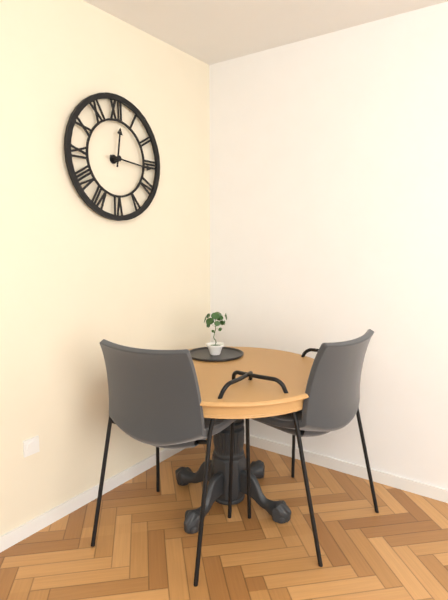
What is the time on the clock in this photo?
12:16
